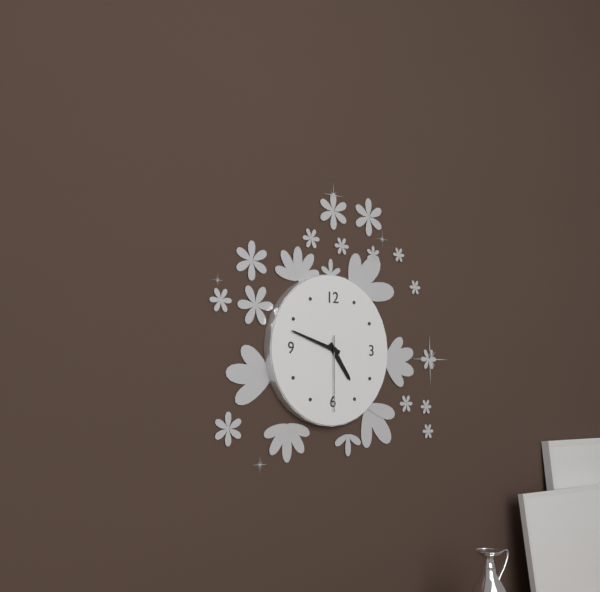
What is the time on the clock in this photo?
4:48:30
